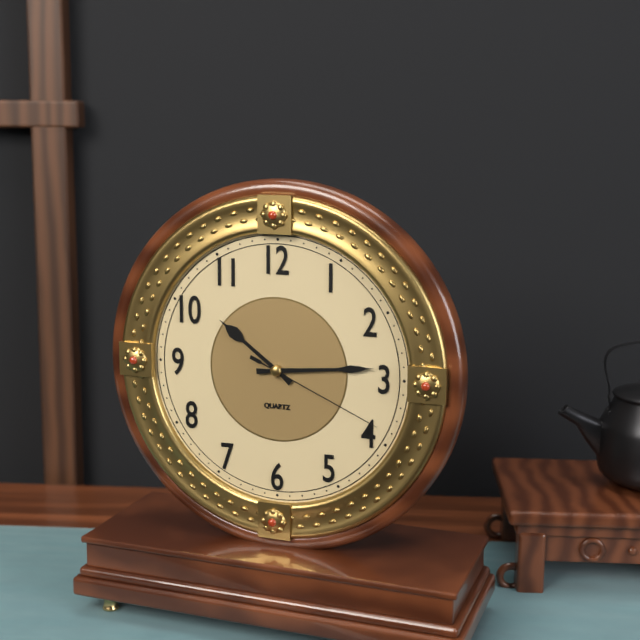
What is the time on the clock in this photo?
10:14:19
